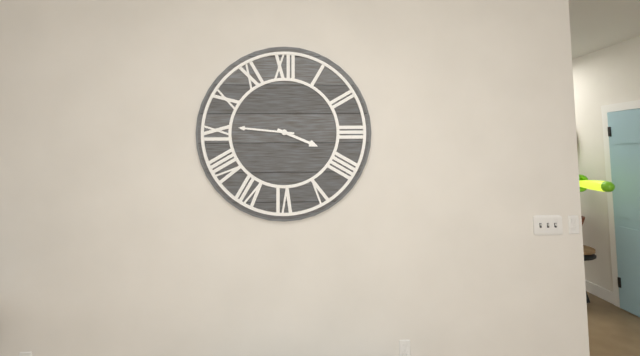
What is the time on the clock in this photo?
3:46
